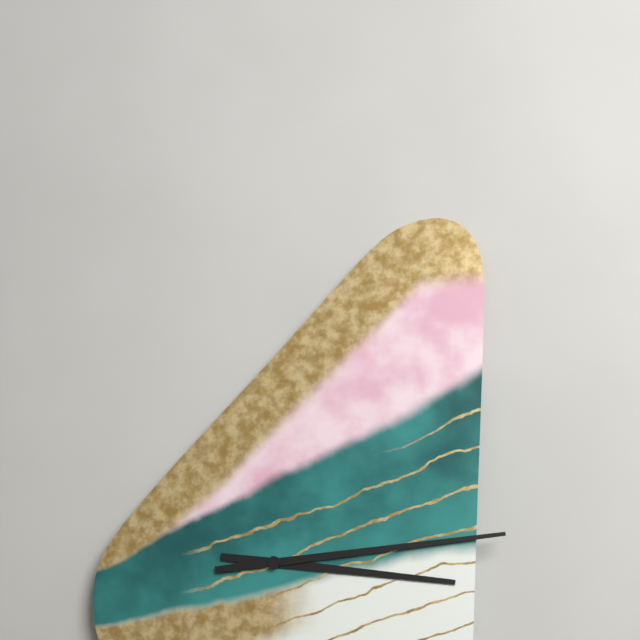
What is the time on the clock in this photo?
3:14
